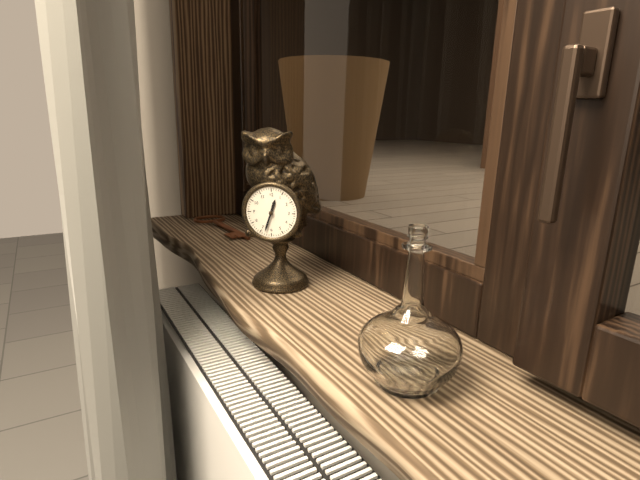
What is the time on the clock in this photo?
12:33
